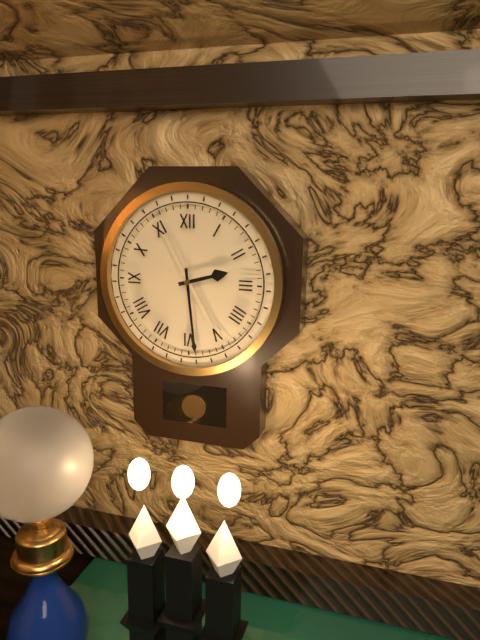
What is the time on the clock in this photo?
2:29
